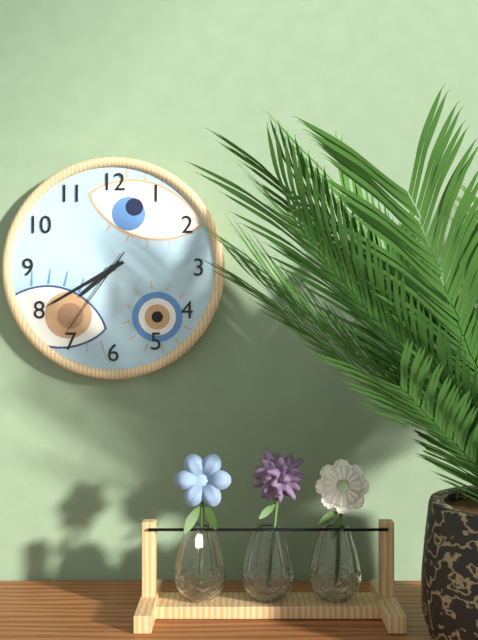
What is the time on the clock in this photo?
7:40:36
